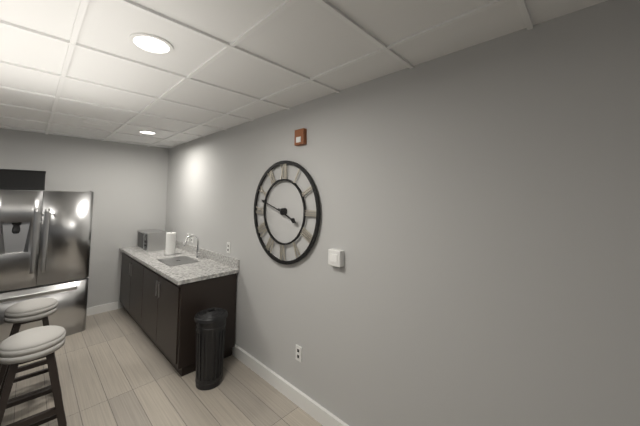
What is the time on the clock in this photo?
3:48
